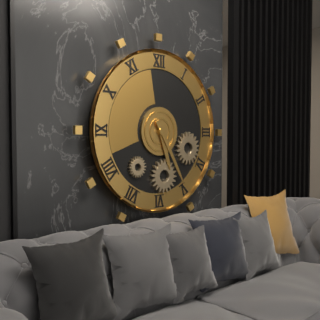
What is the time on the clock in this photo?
5:25
